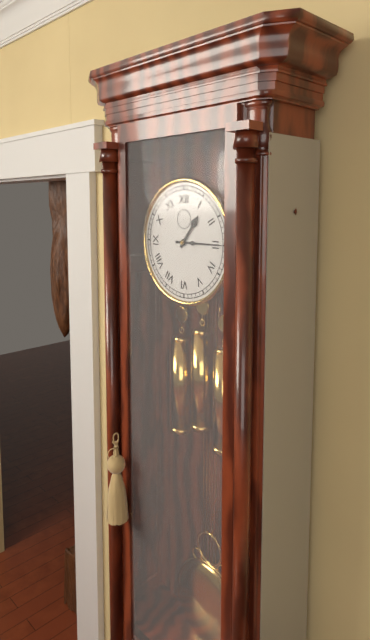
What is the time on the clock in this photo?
1:15
